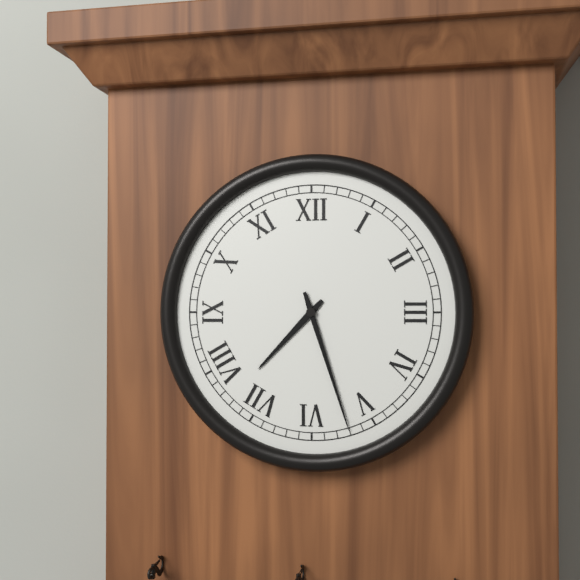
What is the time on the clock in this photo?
7:27
